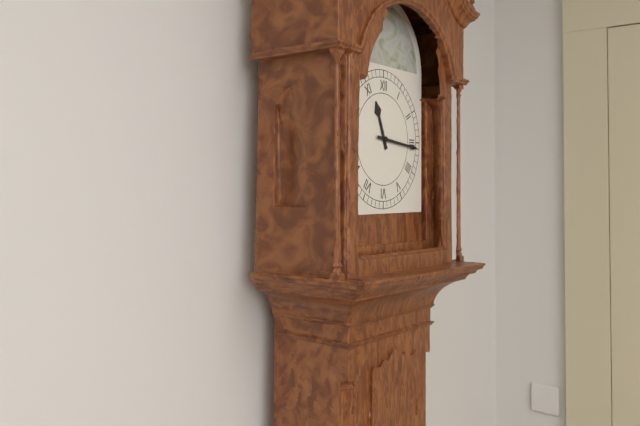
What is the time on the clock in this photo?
11:16
